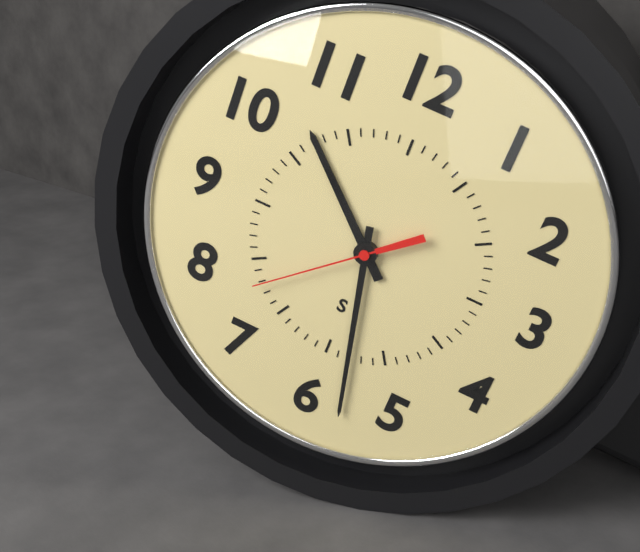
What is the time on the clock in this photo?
10:28:38
